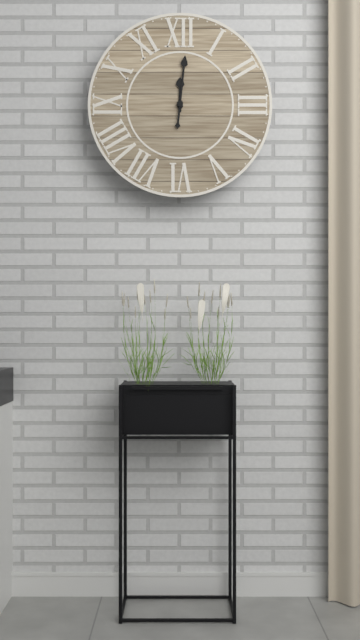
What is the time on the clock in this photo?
12:01
